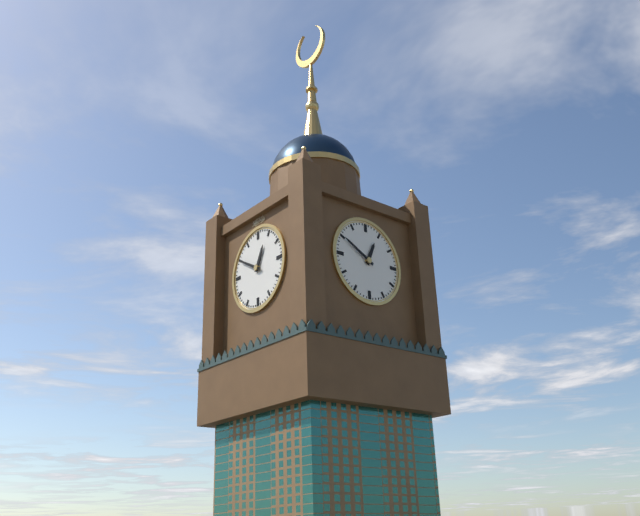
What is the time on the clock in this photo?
12:50
